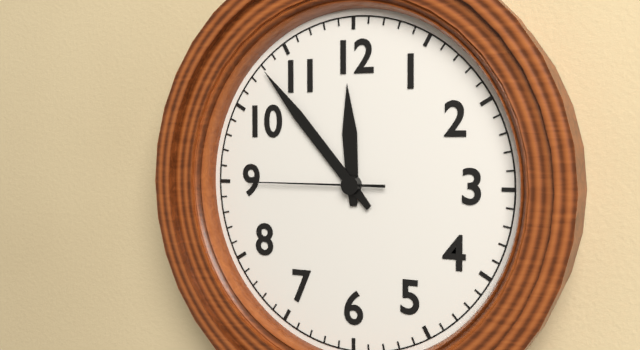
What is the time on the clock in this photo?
11:53:45
